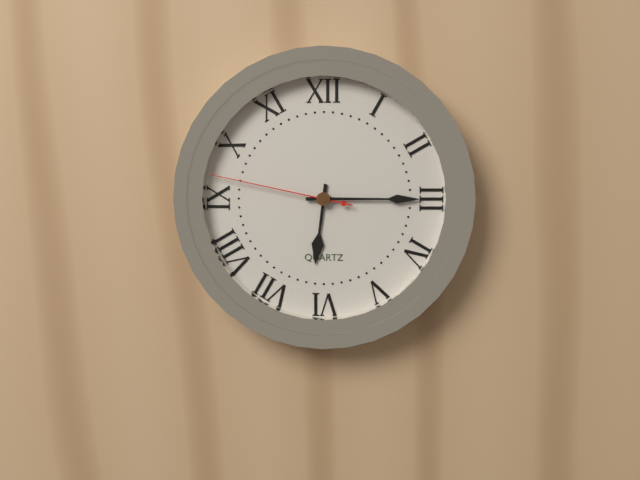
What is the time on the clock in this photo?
6:15:47
